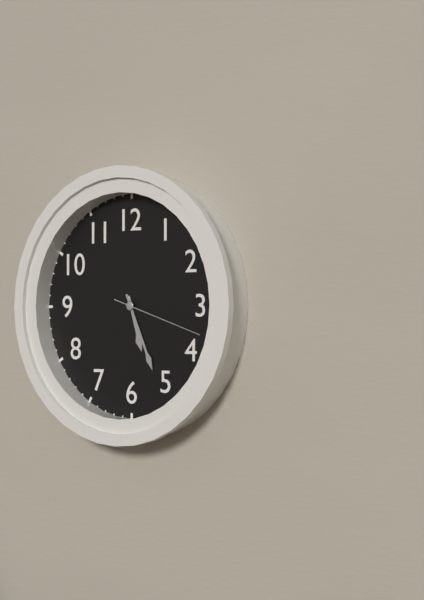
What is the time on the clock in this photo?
5:26:18
